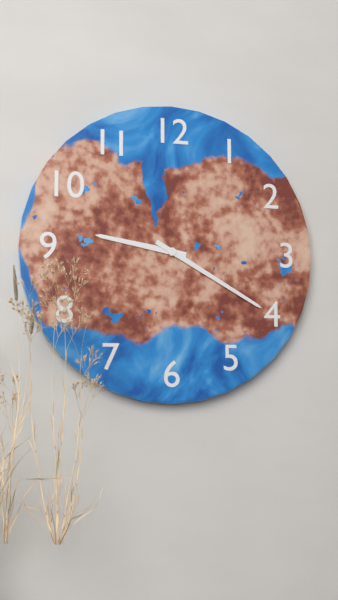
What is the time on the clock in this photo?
9:20
